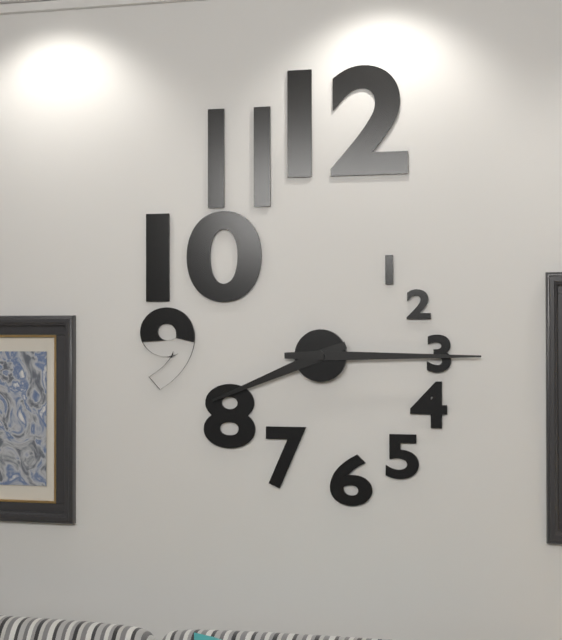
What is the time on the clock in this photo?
8:15
